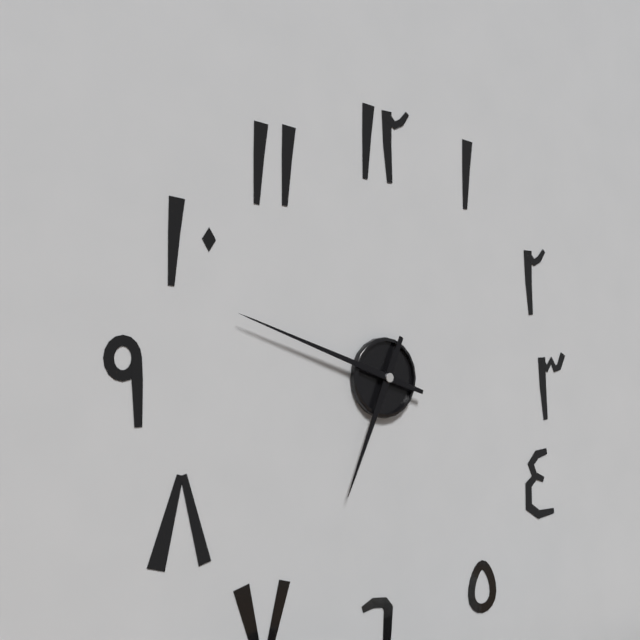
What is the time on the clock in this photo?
6:48
